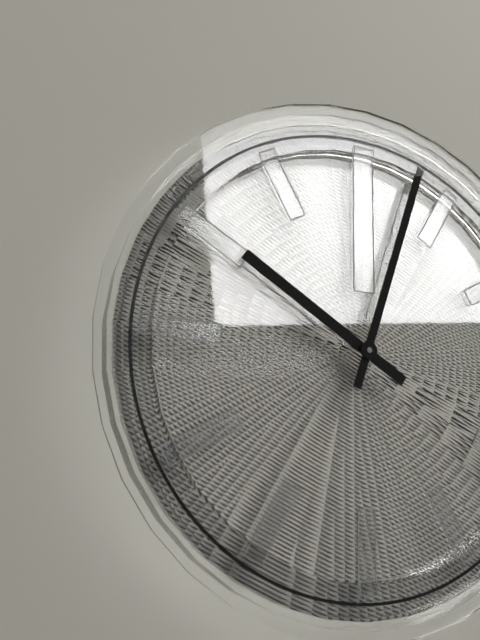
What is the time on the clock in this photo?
10:03
